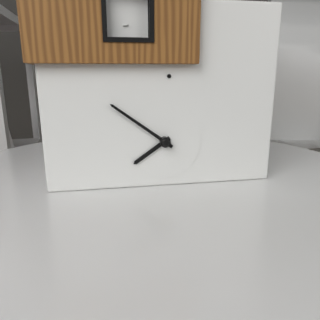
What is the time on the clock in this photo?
7:51
